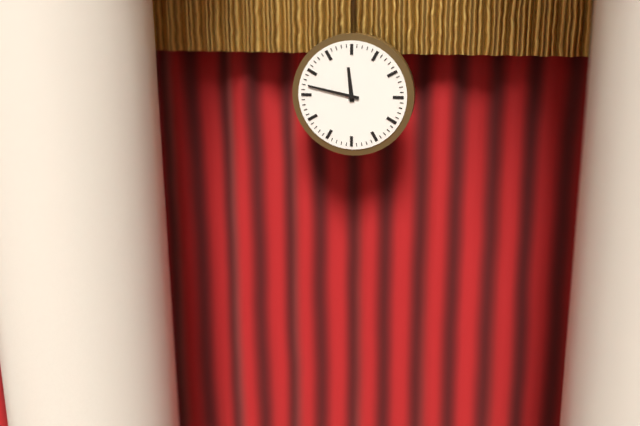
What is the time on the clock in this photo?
11:47
